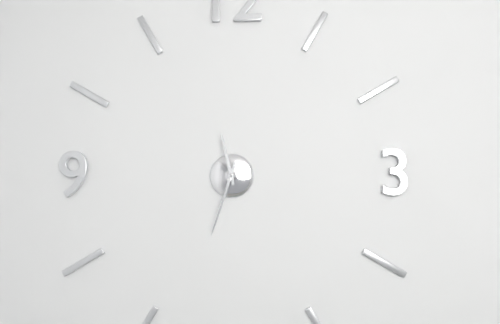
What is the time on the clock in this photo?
11:33
